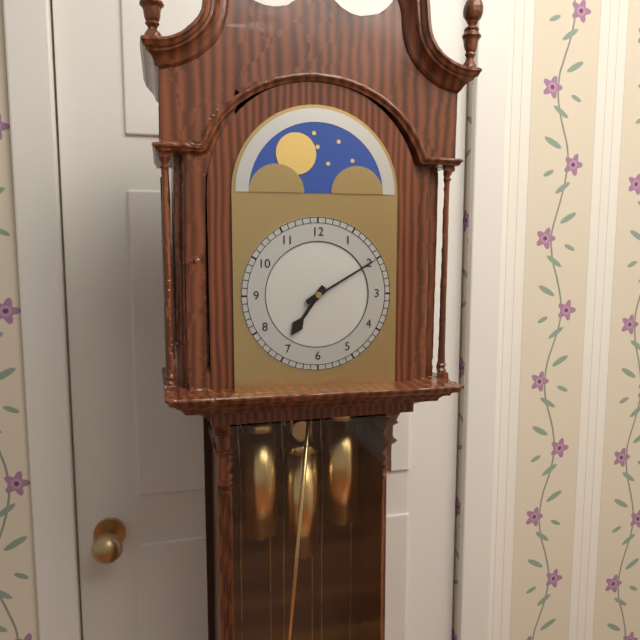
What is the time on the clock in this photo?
7:10
